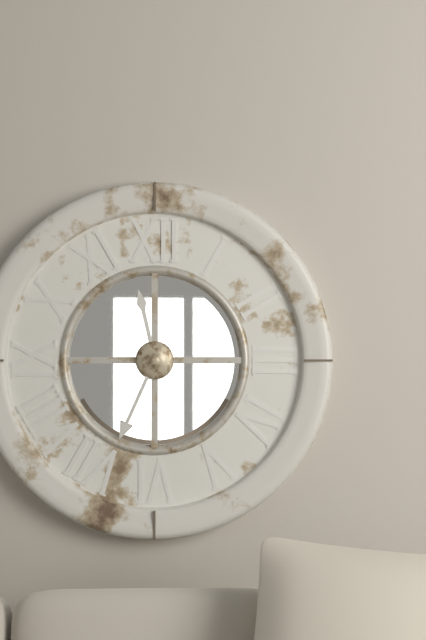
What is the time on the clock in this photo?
11:34
